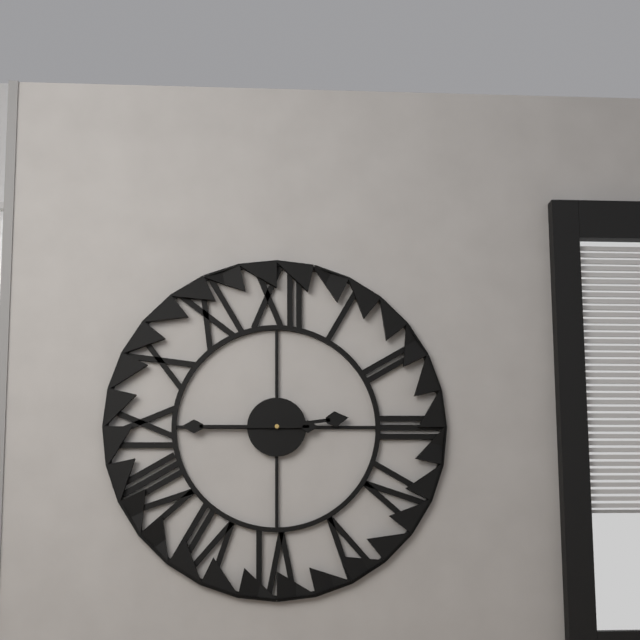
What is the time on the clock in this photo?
2:45
